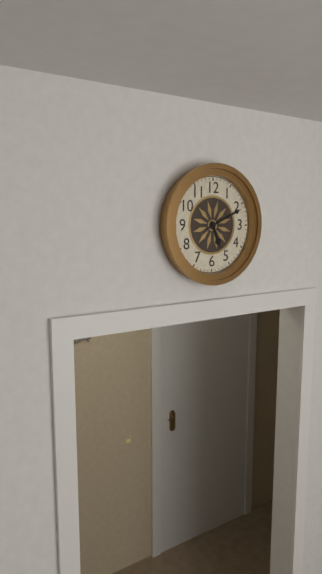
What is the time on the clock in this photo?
5:11
